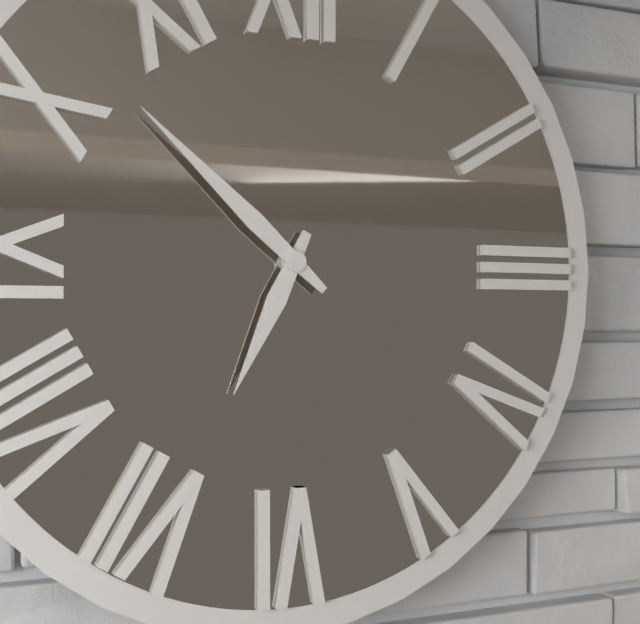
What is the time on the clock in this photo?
6:52
